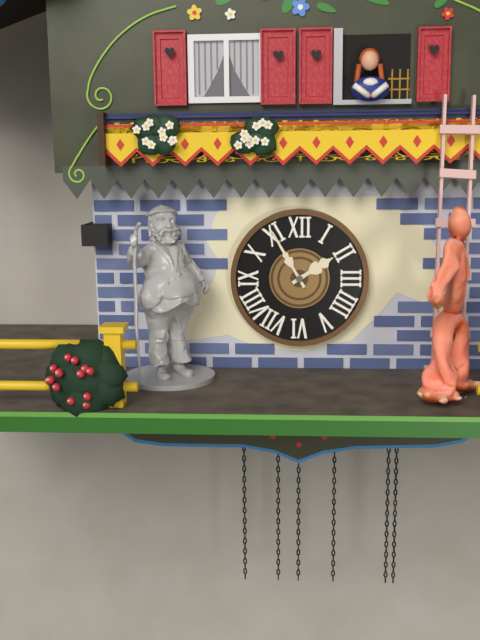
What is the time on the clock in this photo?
1:55
